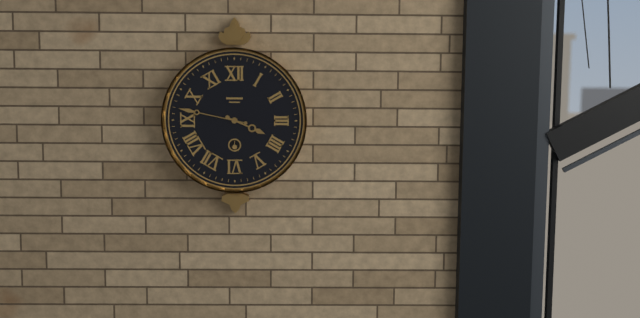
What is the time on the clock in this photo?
3:47
